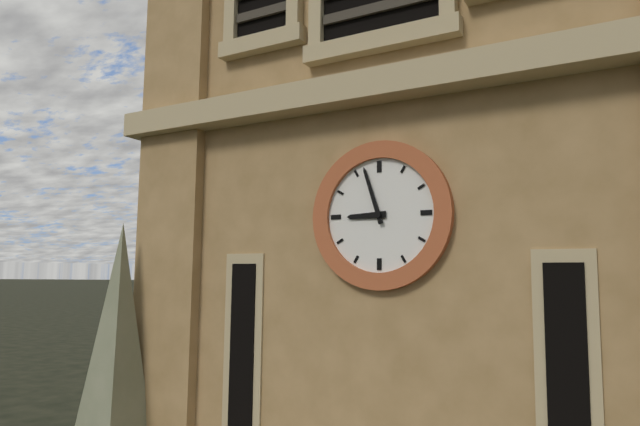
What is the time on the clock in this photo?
8:57
